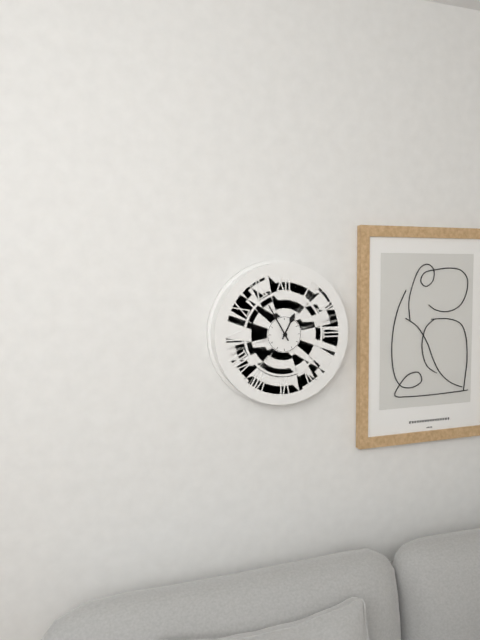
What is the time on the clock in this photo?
12:55
